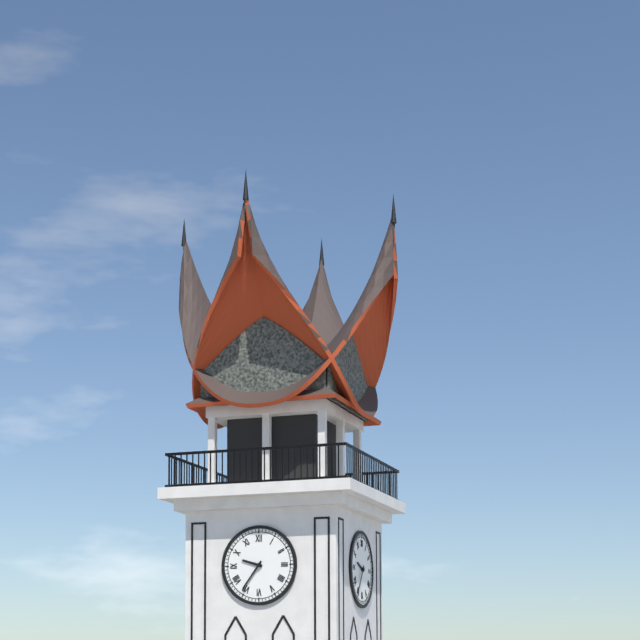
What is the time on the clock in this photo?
9:36
